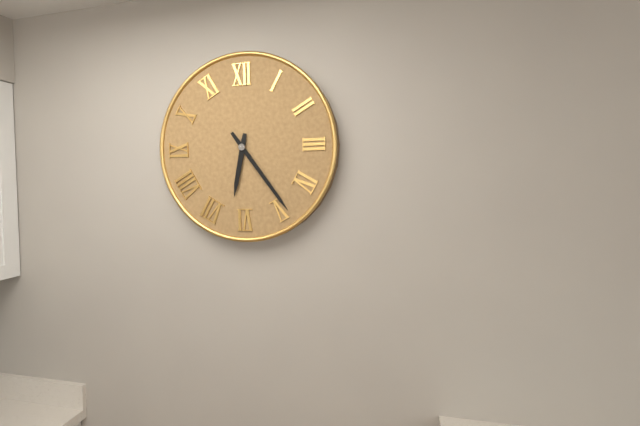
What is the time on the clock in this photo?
6:24
